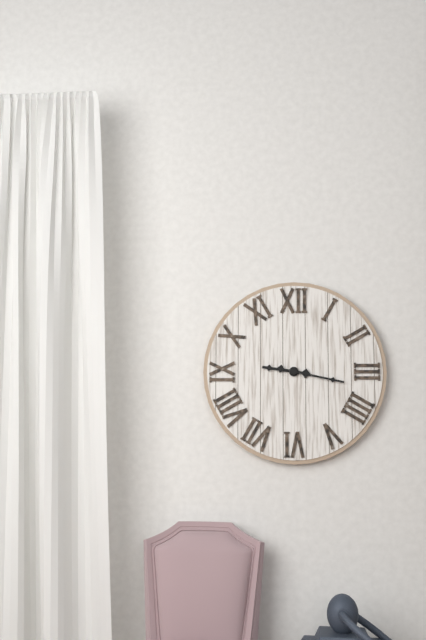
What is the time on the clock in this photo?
9:17
